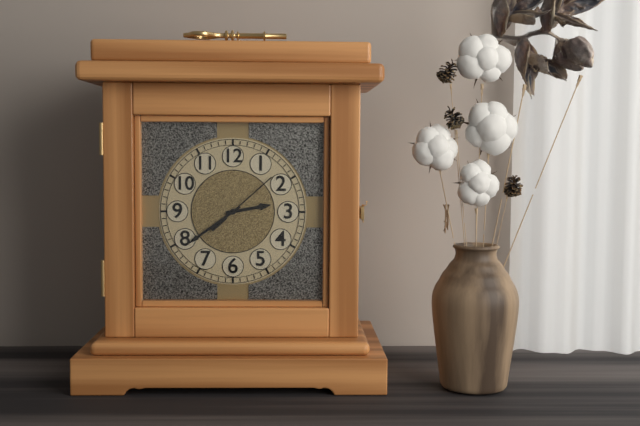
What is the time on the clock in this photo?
2:39:08
